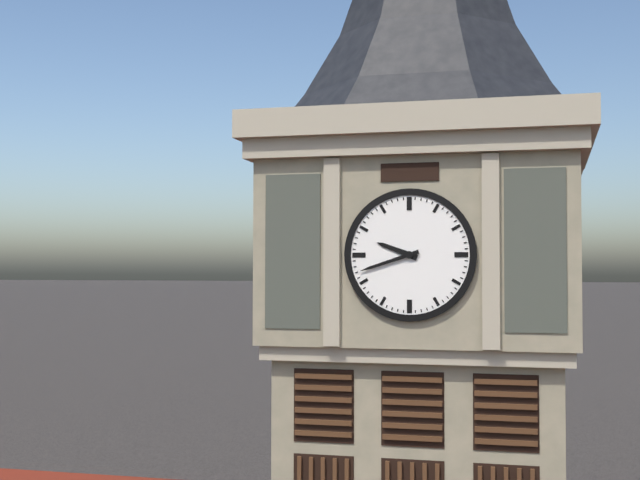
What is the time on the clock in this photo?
9:42
